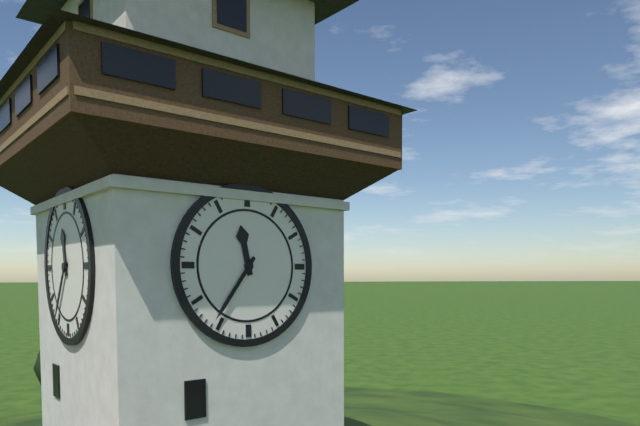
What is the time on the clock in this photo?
11:36
